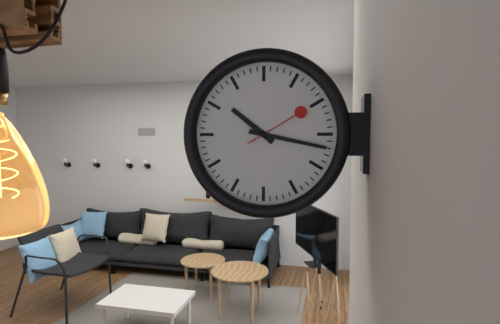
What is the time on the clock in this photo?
10:17:10
